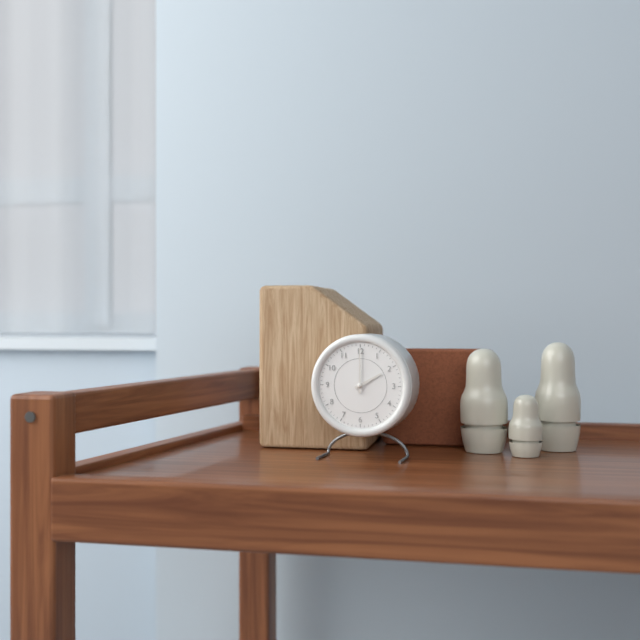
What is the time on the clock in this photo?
2:00
